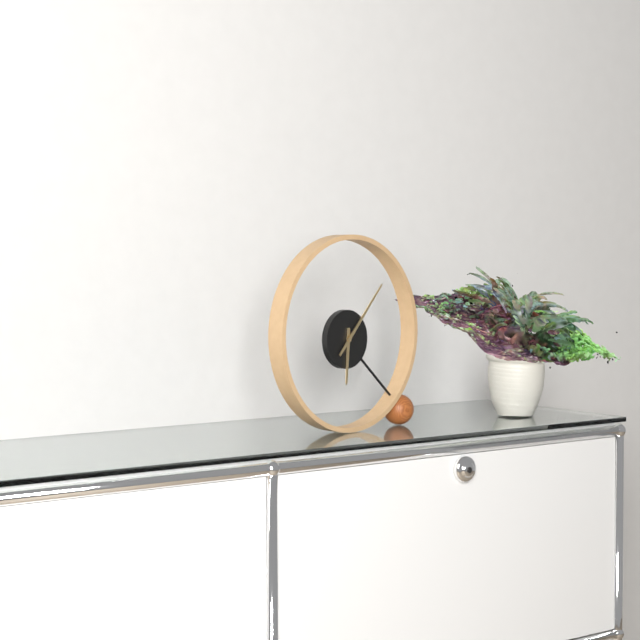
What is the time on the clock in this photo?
6:07
